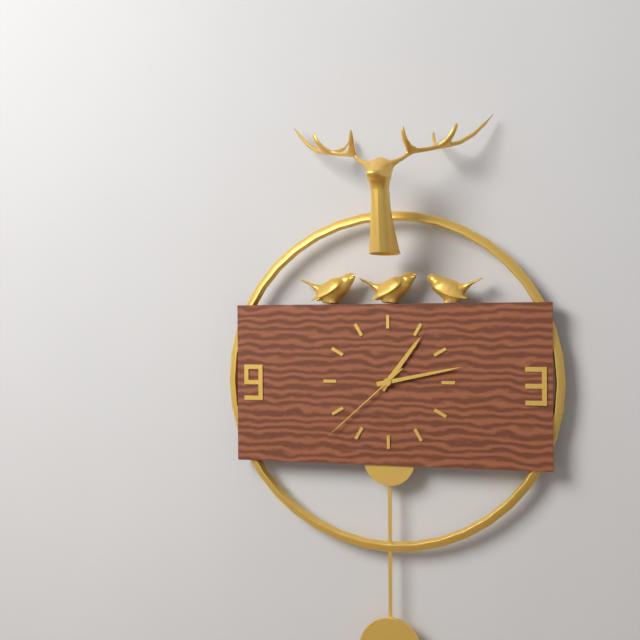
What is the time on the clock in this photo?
1:13:38
